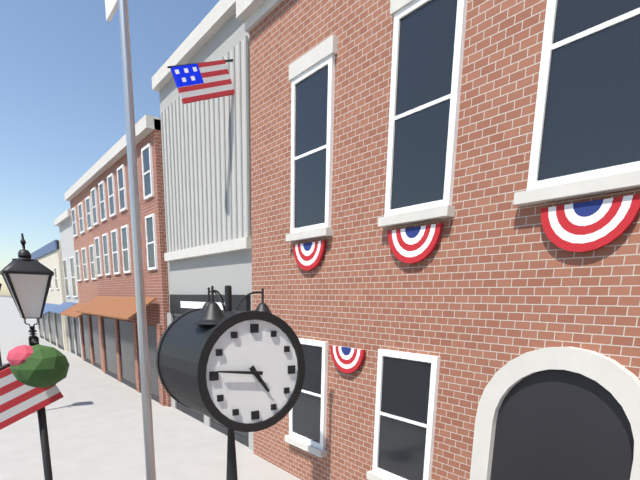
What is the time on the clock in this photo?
4:46
